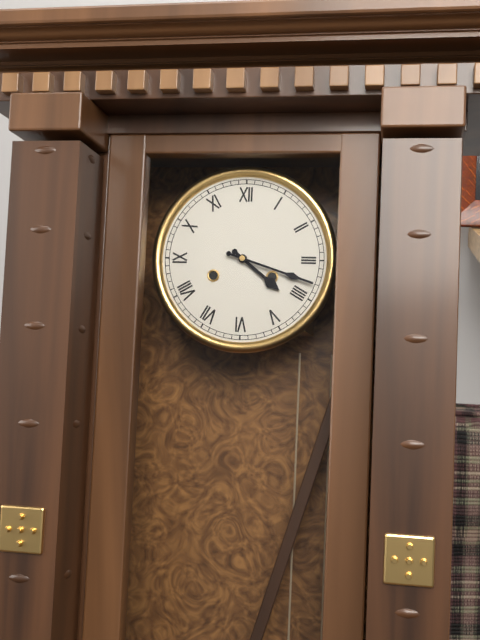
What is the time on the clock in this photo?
4:18
